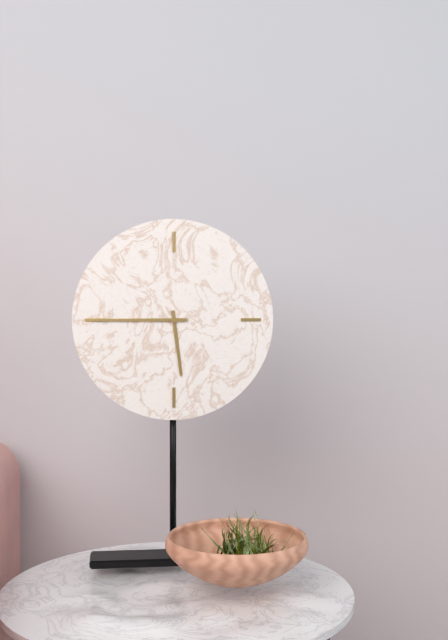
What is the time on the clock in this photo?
5:45
